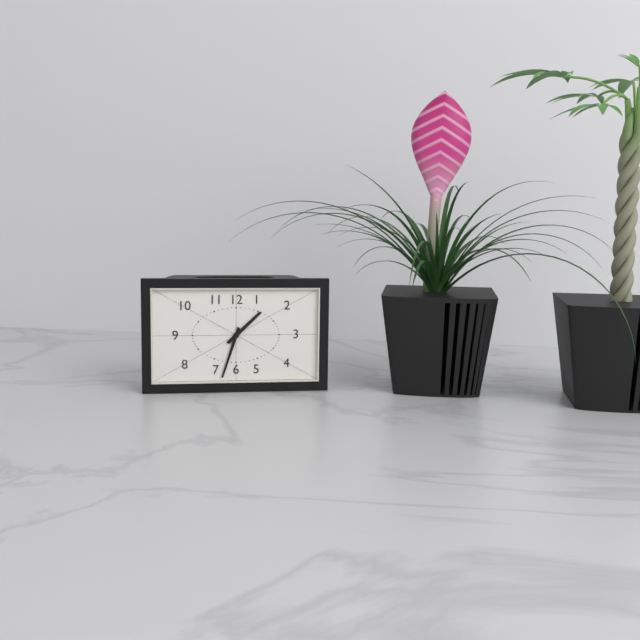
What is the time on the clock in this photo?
1:33
